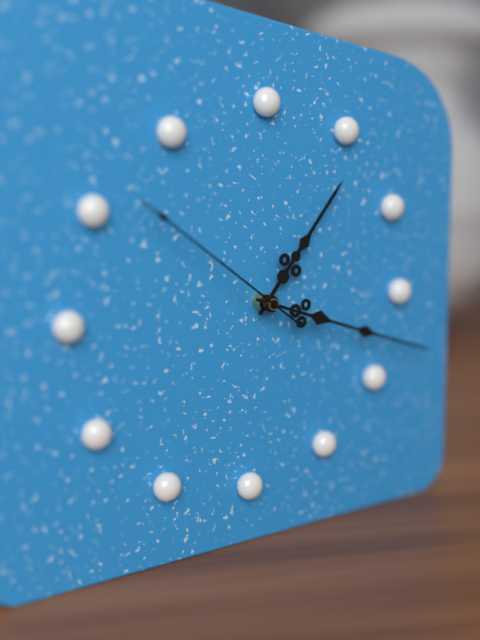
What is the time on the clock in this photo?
1:18:51
